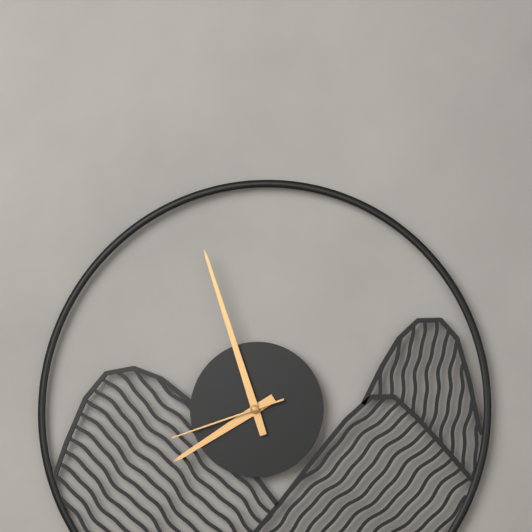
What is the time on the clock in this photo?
7:57:42
